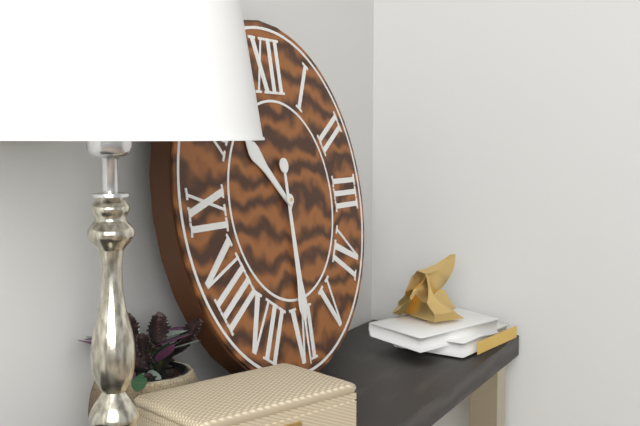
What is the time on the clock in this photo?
10:30
